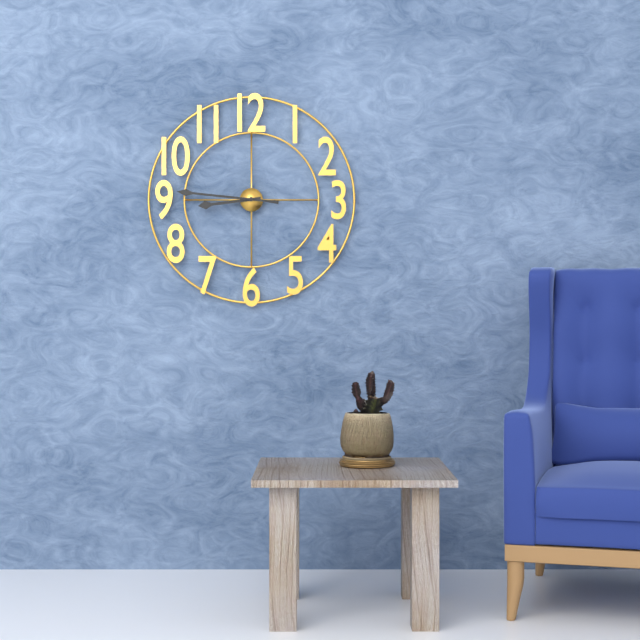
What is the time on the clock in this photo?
8:46
